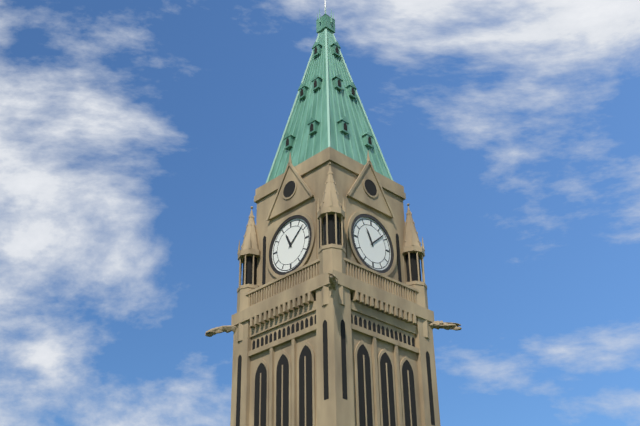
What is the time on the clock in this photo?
11:08
